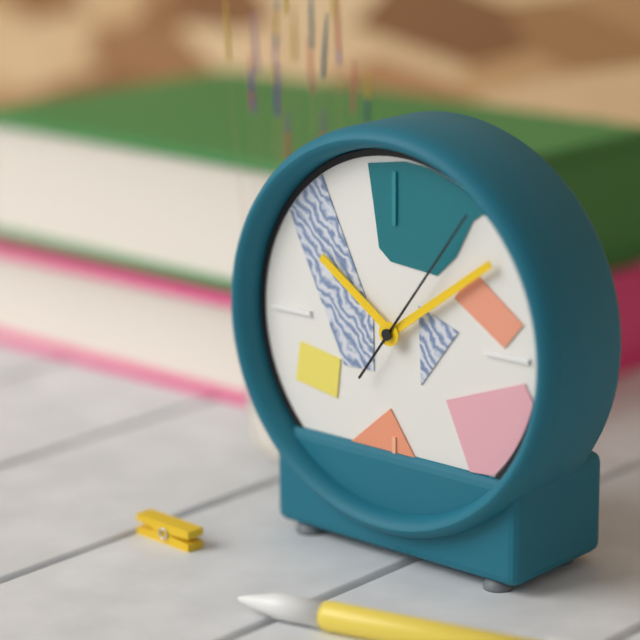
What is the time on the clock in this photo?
10:09:06
